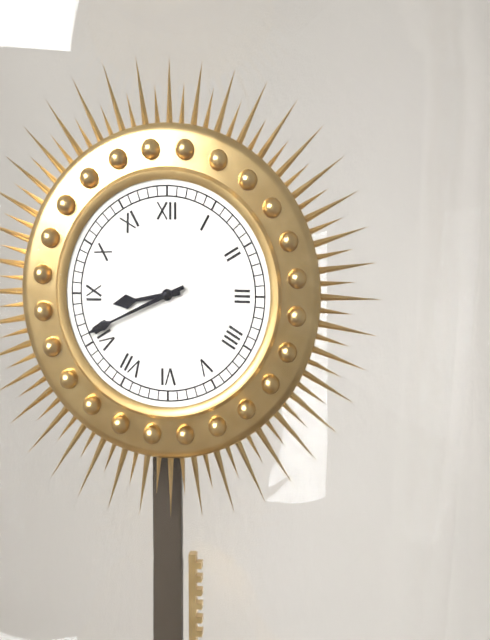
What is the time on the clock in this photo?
8:41
